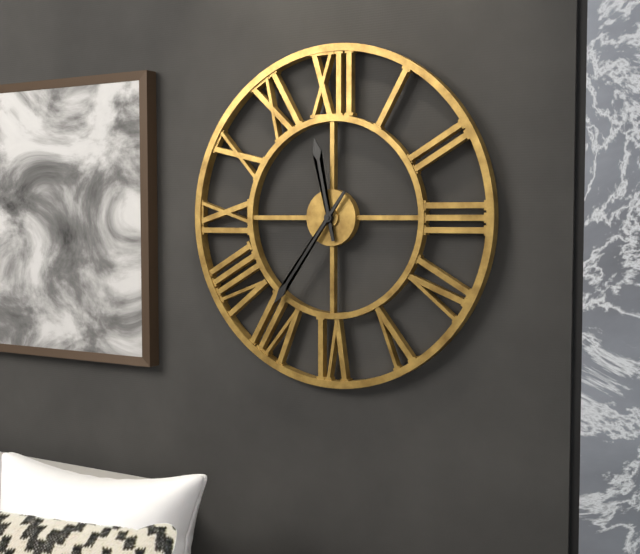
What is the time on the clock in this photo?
11:36
